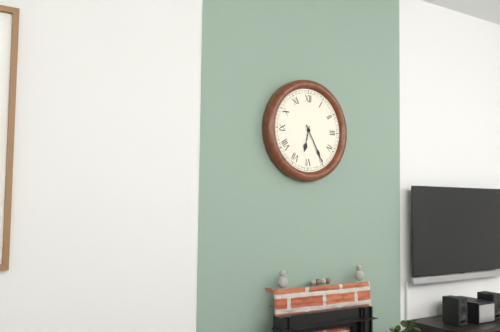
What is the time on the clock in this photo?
6:25
